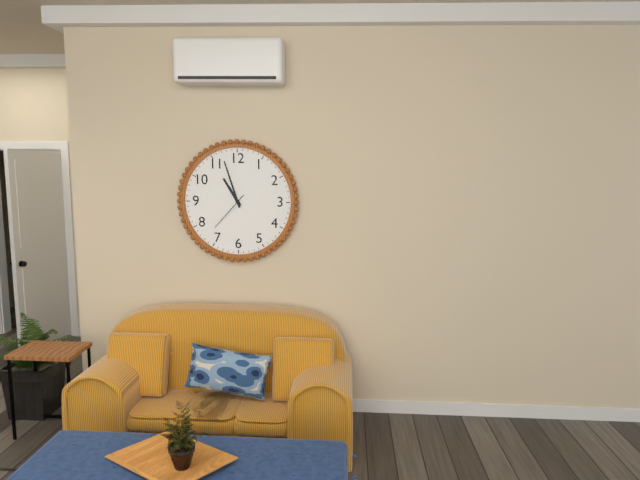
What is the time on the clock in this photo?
10:57
